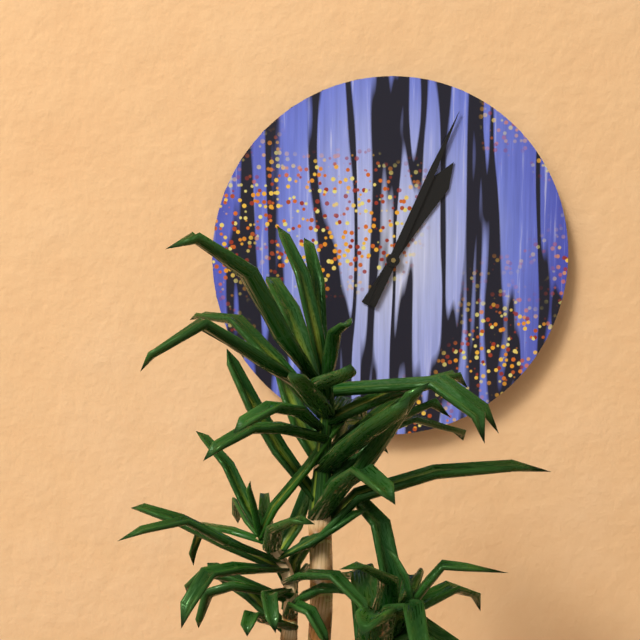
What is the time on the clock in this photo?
1:04
